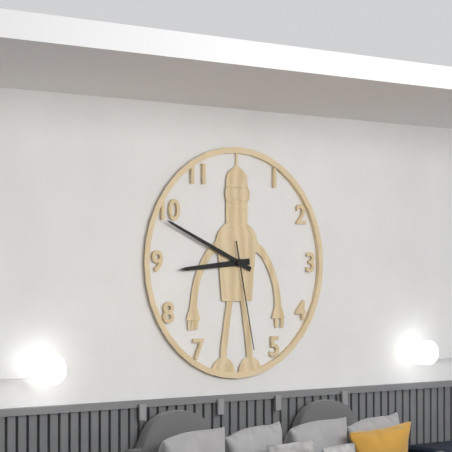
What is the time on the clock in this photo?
8:49:28
